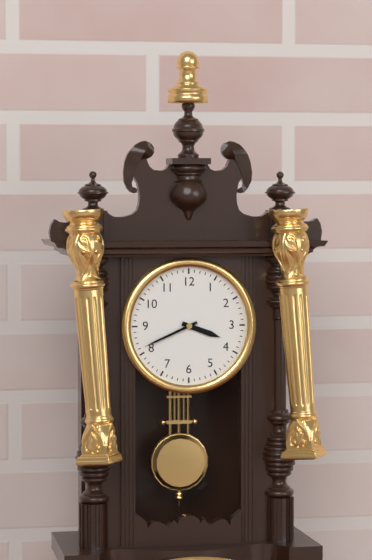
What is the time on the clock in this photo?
3:41
